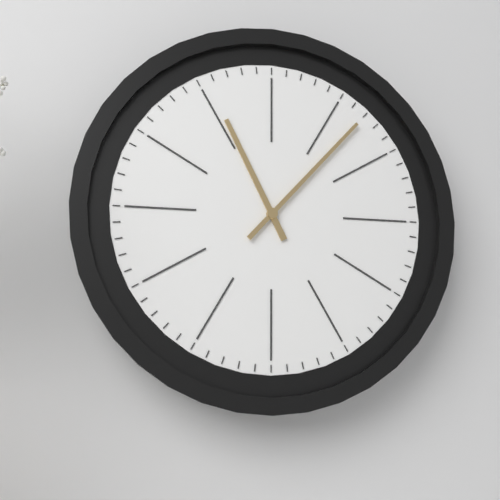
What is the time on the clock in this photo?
11:07
